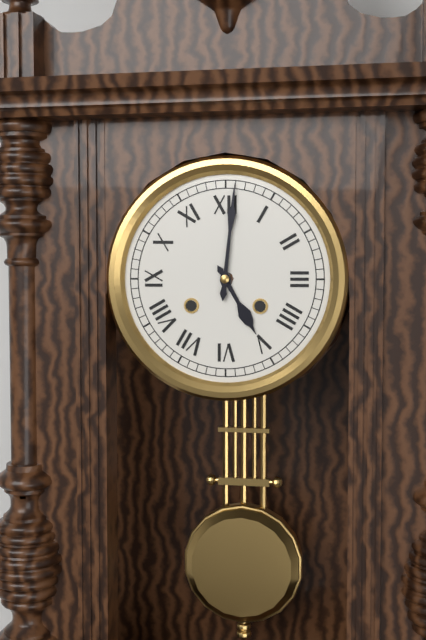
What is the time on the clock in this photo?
5:01
